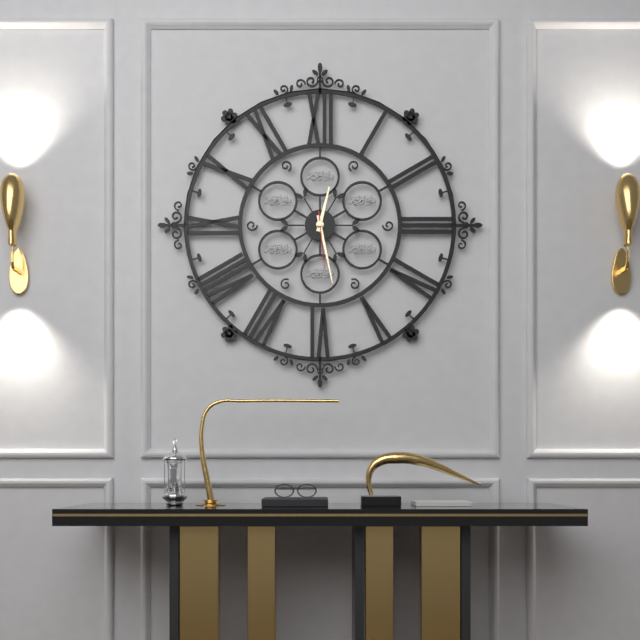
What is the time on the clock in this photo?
12:28:29
